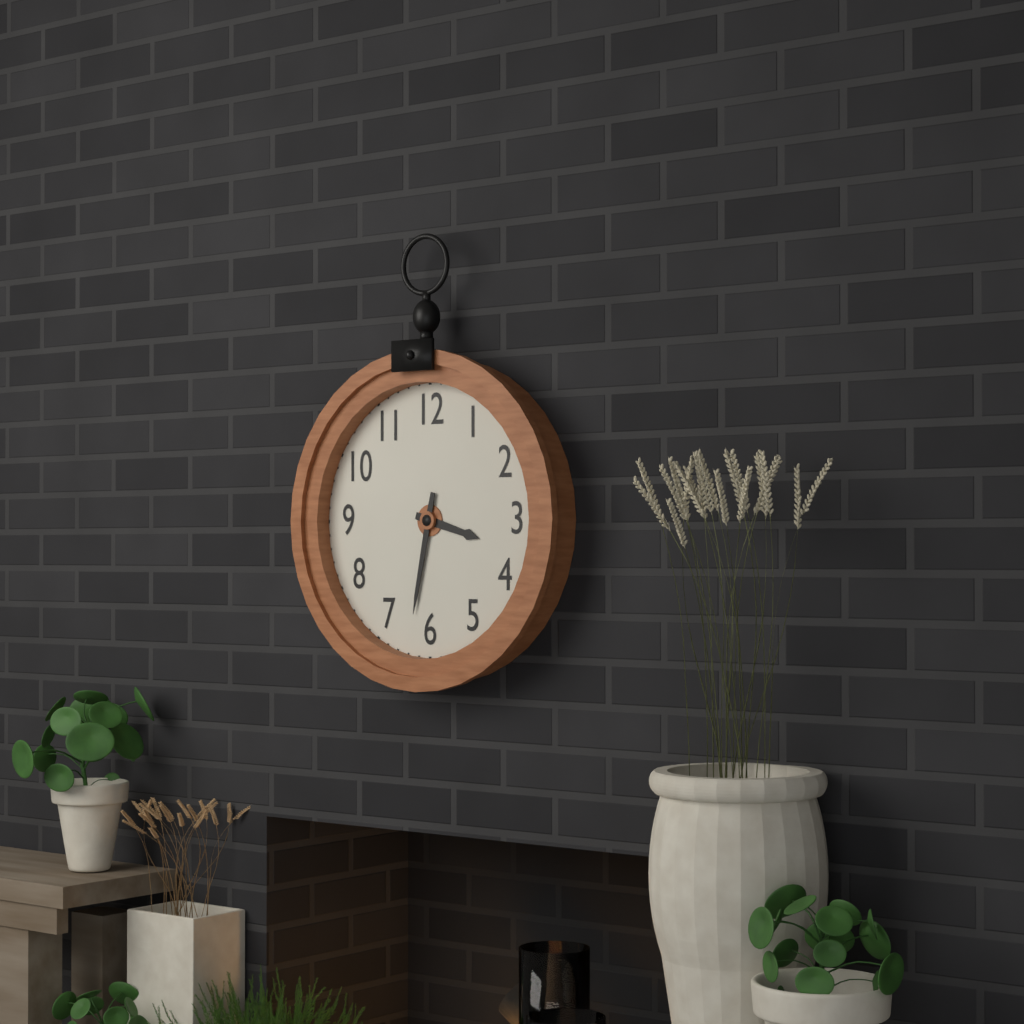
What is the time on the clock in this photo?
3:32
